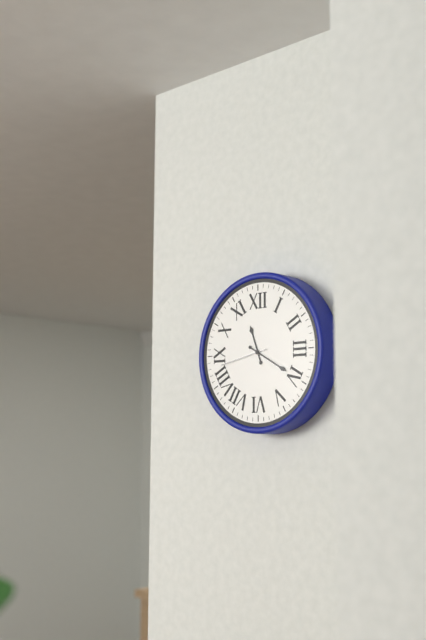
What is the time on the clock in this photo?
11:20
